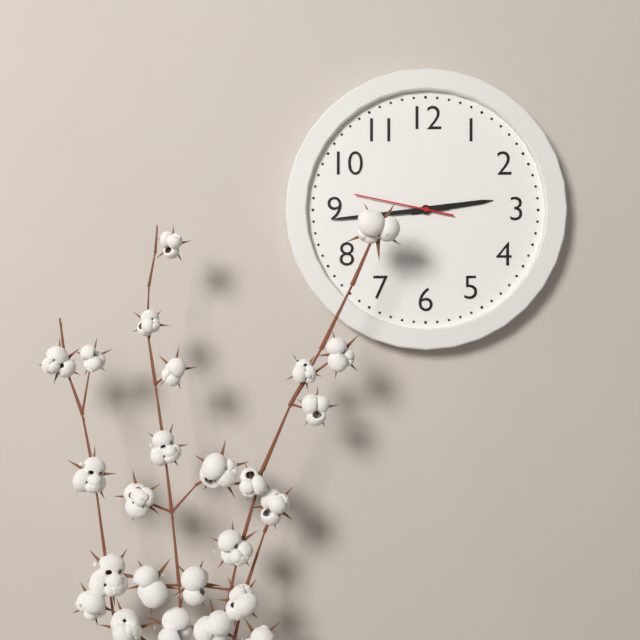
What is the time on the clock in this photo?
2:44:47
